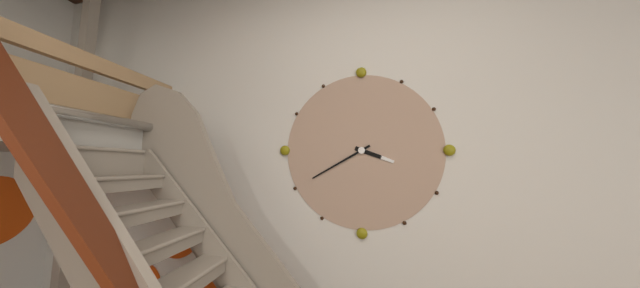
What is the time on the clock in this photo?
3:40
